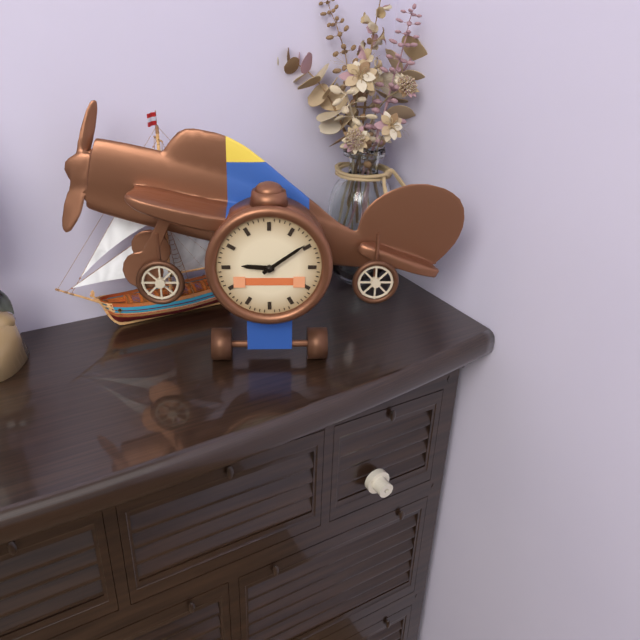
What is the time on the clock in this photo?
9:09
